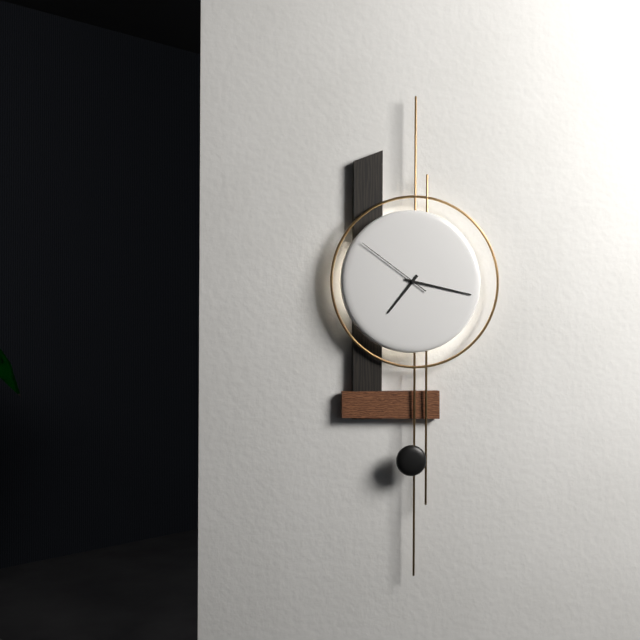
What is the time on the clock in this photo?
7:17:51
